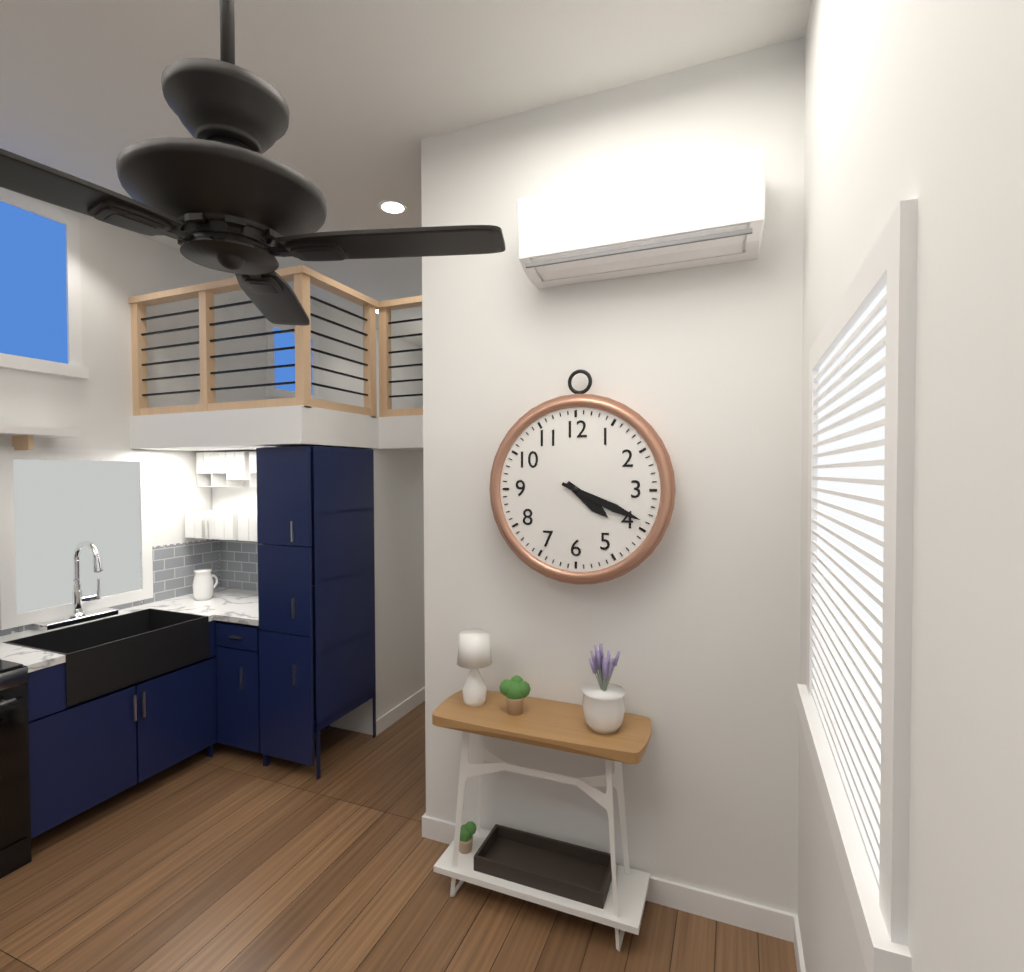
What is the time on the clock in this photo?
4:19
